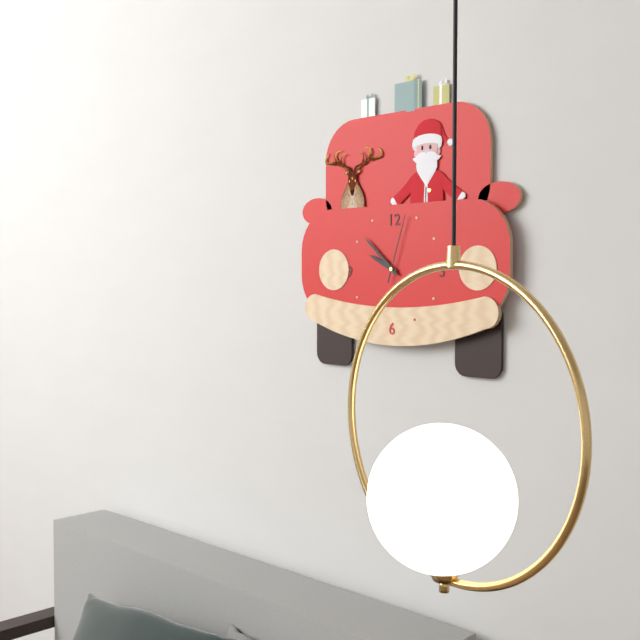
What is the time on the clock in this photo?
9:52:03
